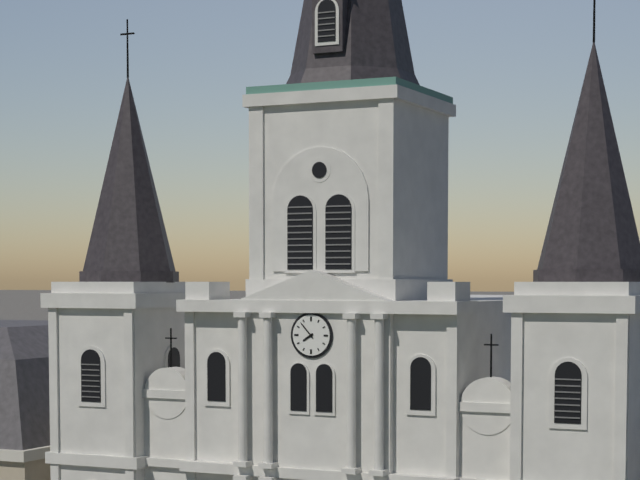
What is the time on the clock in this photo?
7:53
